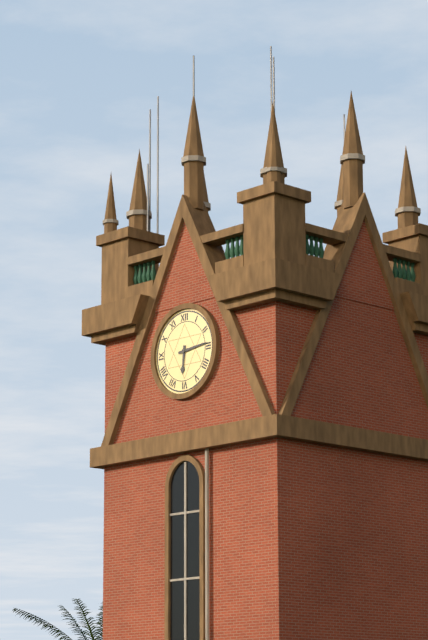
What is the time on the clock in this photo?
6:14
